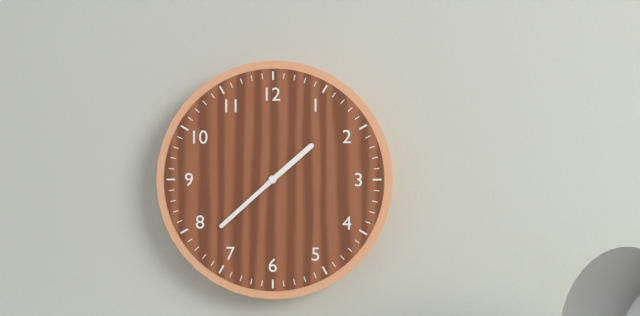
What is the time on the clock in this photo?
1:38
